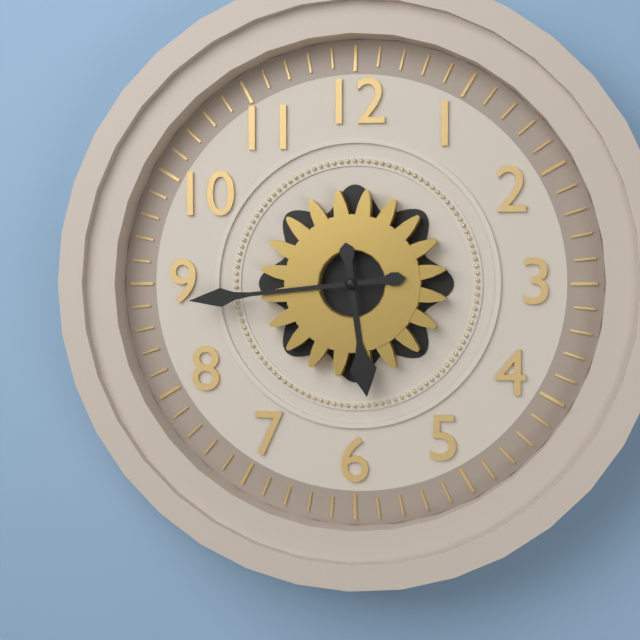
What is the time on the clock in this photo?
5:44
